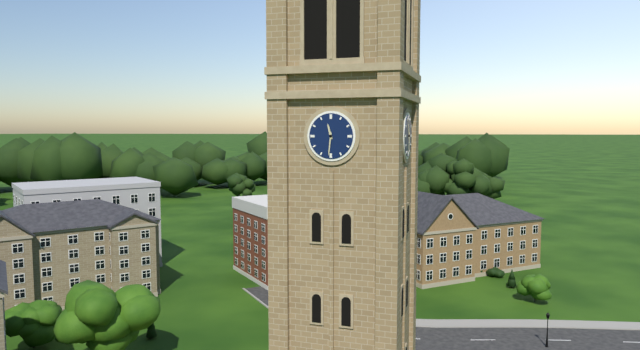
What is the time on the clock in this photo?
11:31
